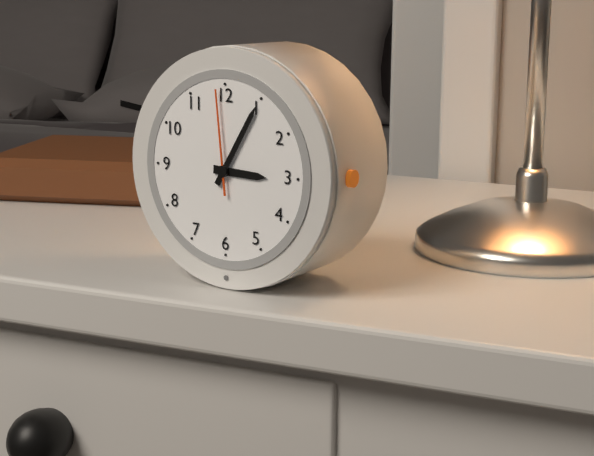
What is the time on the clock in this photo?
3:05:59
